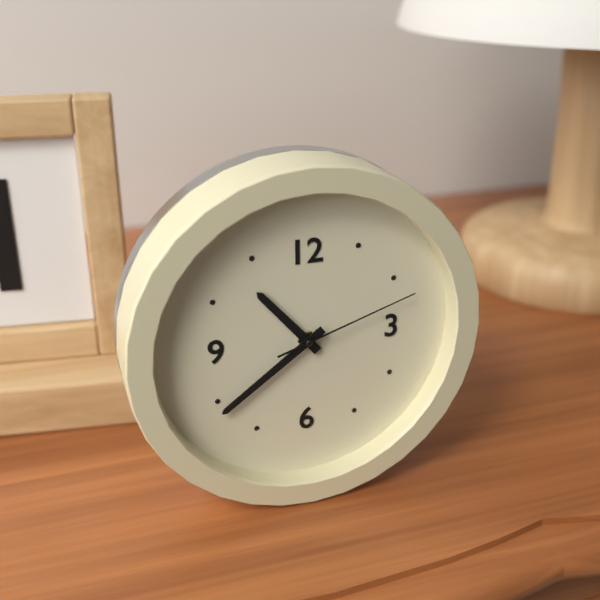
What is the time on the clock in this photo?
10:39:12
